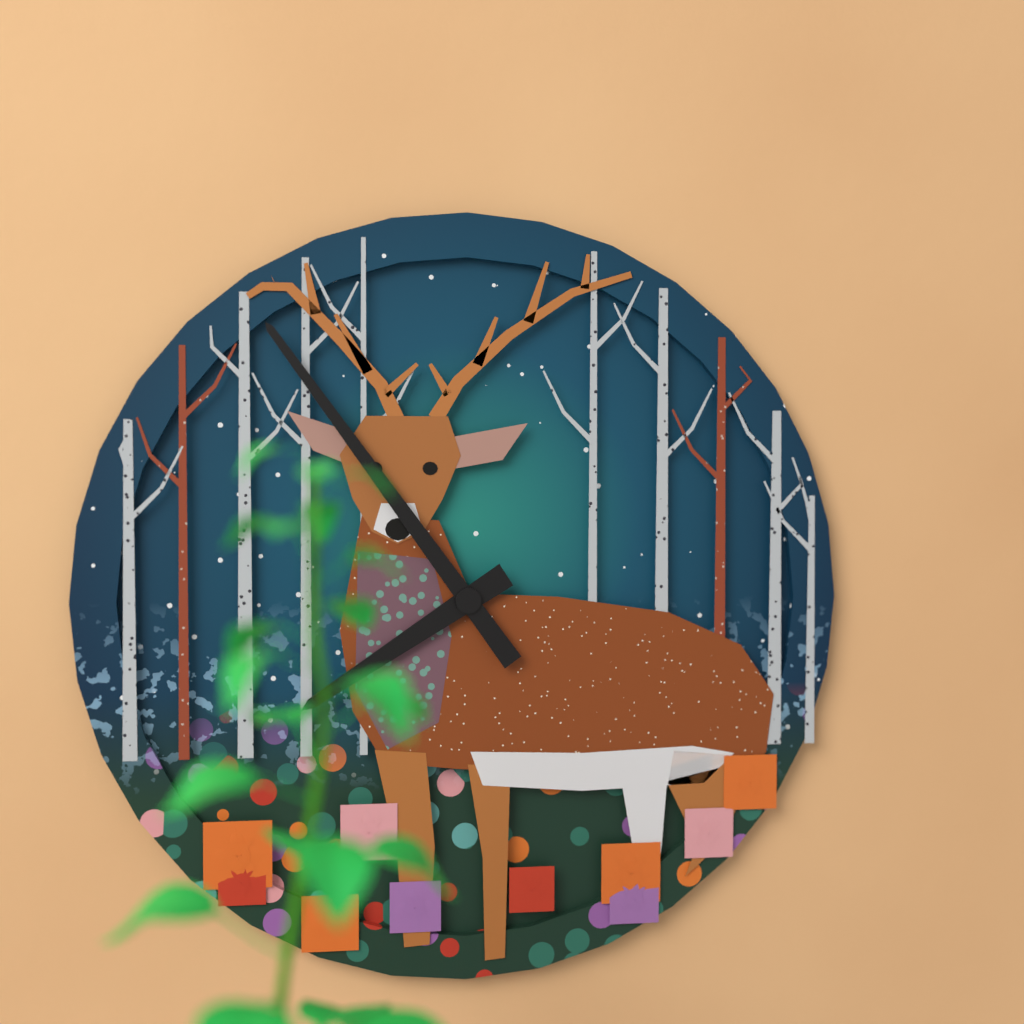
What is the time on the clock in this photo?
7:54
